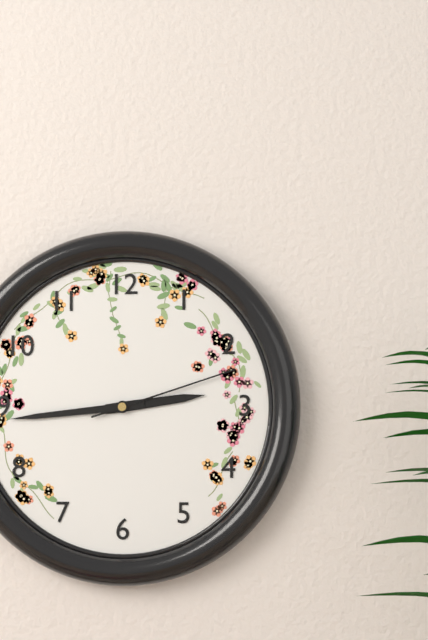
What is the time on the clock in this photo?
2:44:12
